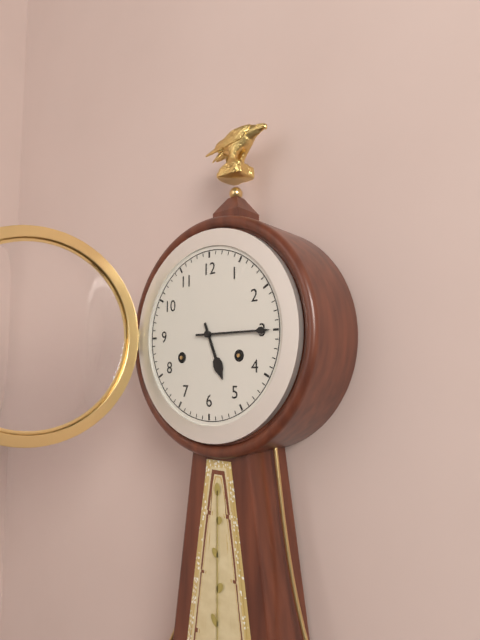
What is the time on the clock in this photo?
5:15
